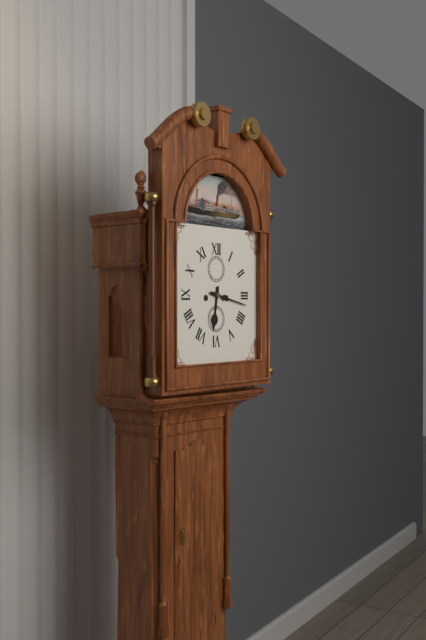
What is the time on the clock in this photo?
6:17
